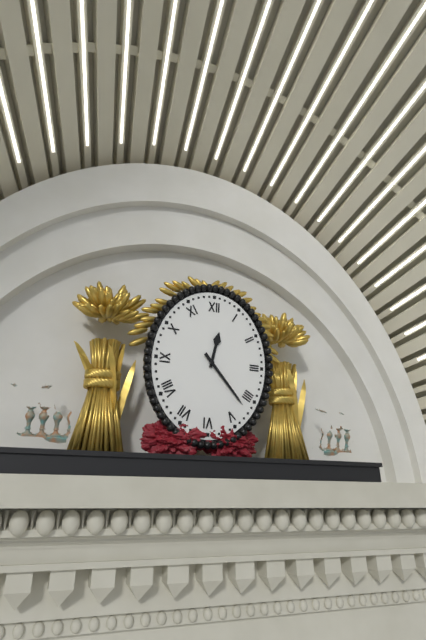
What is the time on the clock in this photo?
12:23
